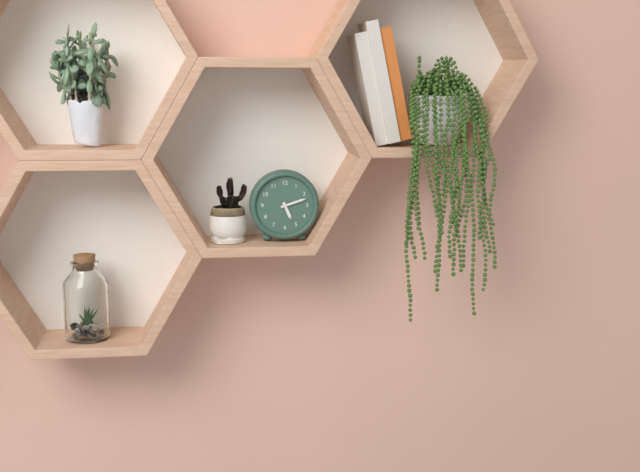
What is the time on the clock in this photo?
5:12
